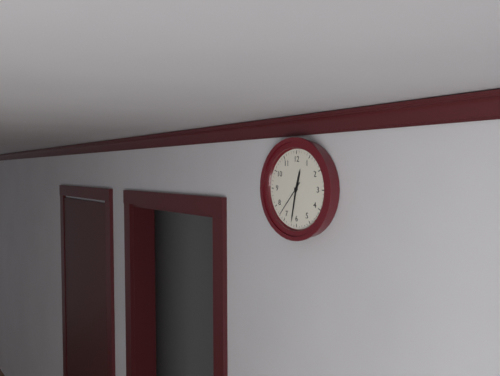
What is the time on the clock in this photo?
12:32
